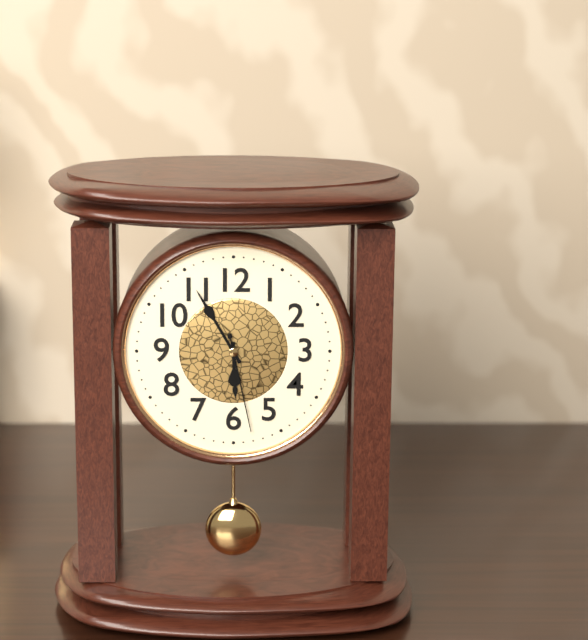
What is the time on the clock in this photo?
5:55:28
